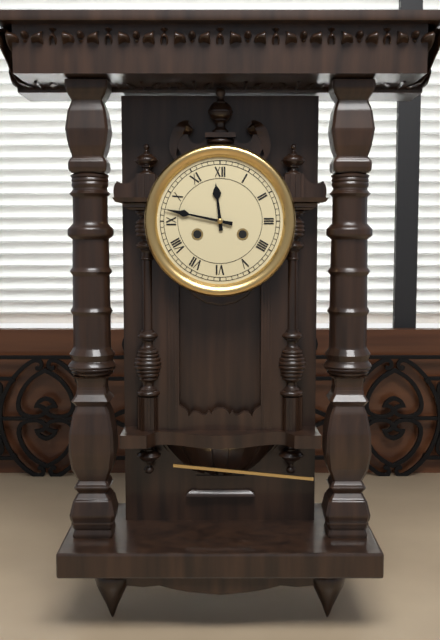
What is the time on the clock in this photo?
11:47
